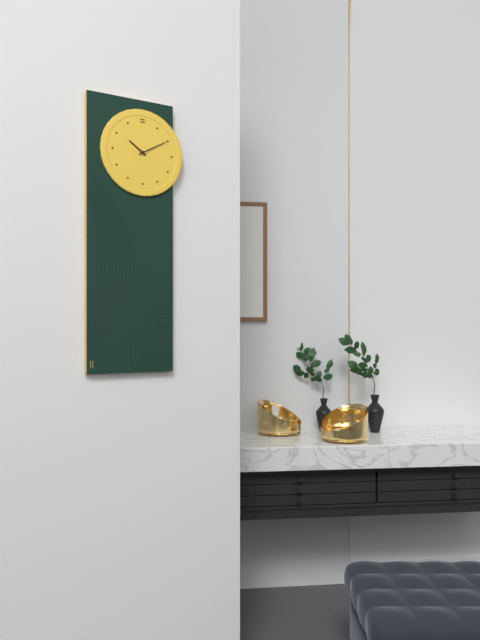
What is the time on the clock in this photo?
10:10
